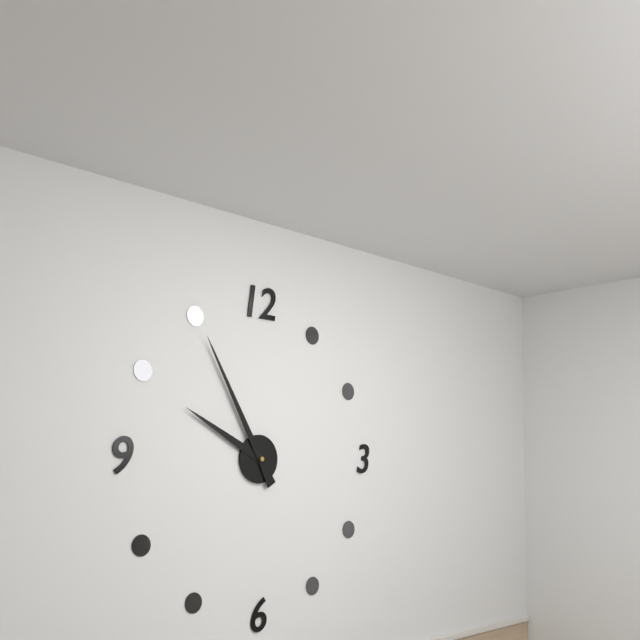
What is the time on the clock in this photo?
9:55
